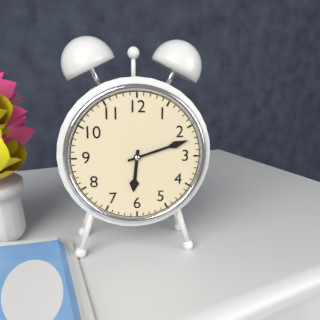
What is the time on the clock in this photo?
6:12
